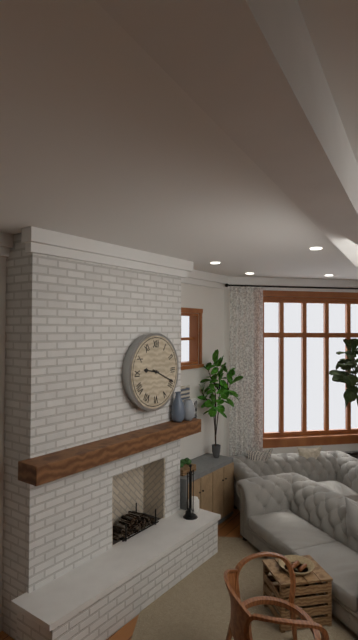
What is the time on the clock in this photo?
9:19
